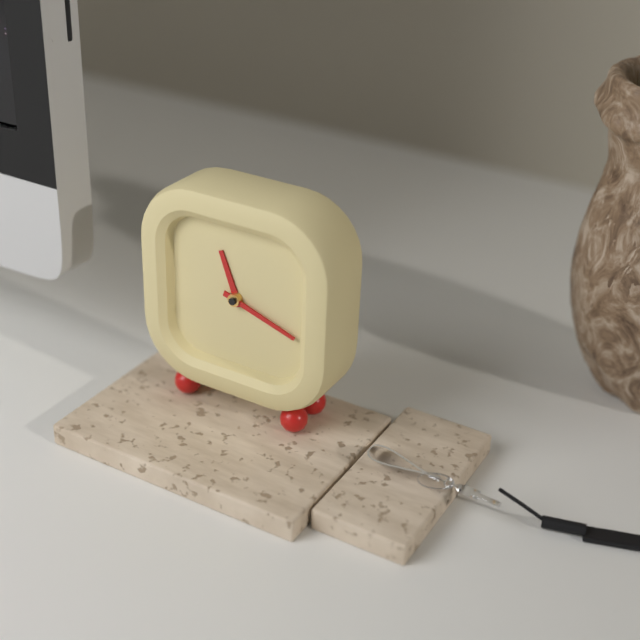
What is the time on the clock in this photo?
11:18
